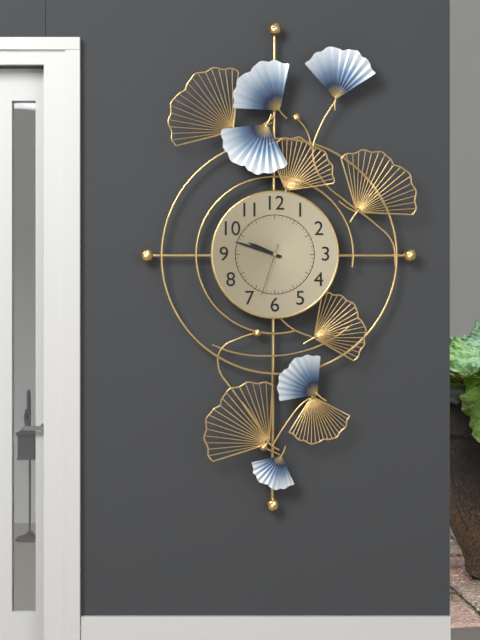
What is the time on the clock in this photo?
9:48:33
